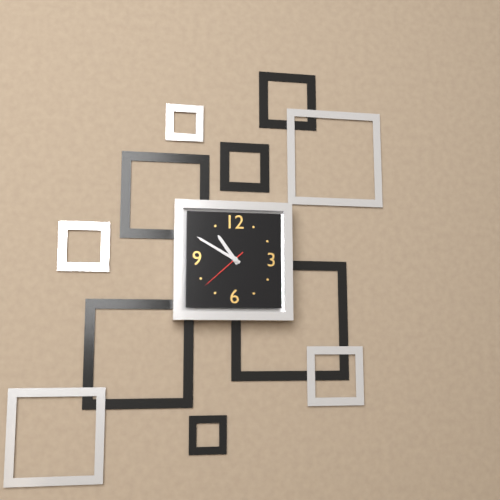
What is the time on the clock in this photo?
10:50
